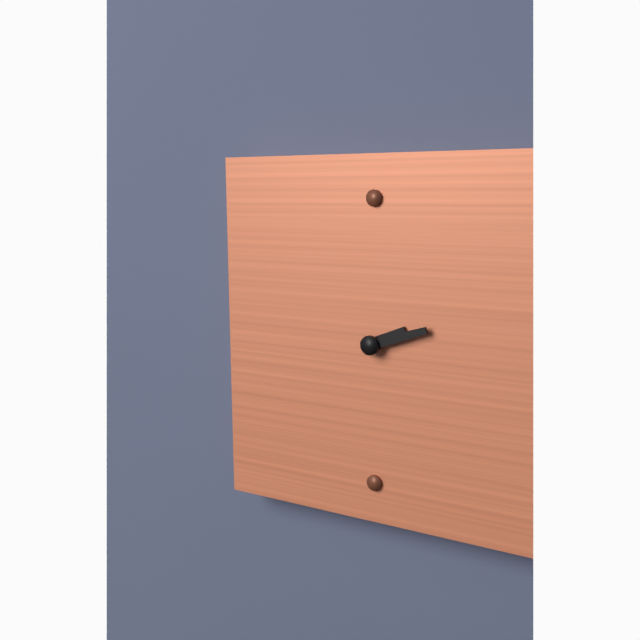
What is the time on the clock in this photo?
2:12
